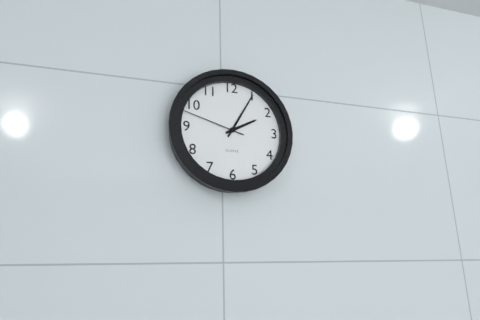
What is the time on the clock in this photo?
2:05:48
